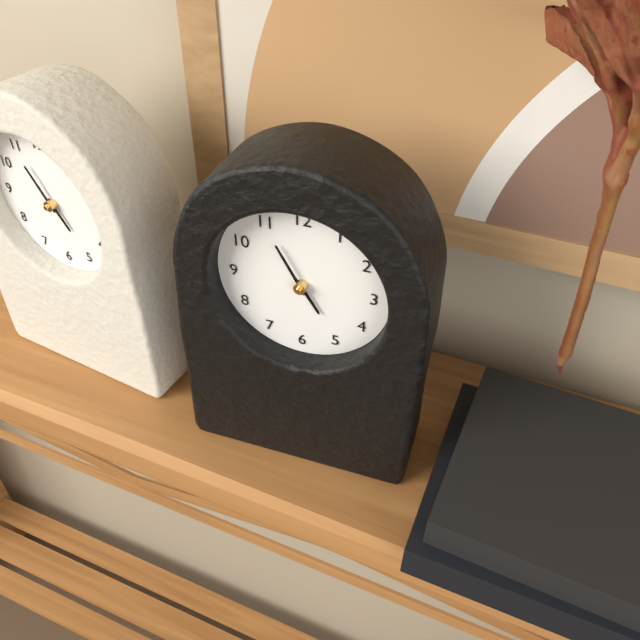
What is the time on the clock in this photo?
4:55
